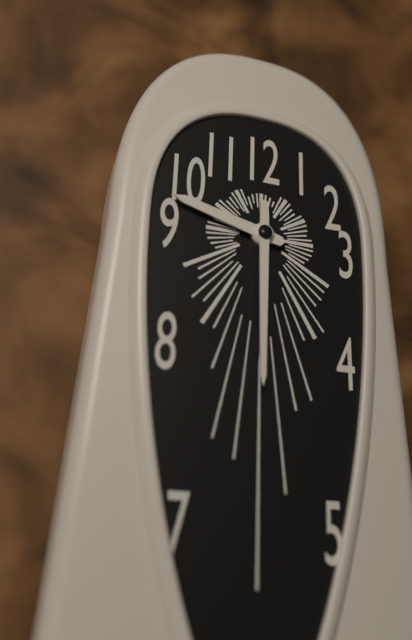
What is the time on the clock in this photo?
9:30
